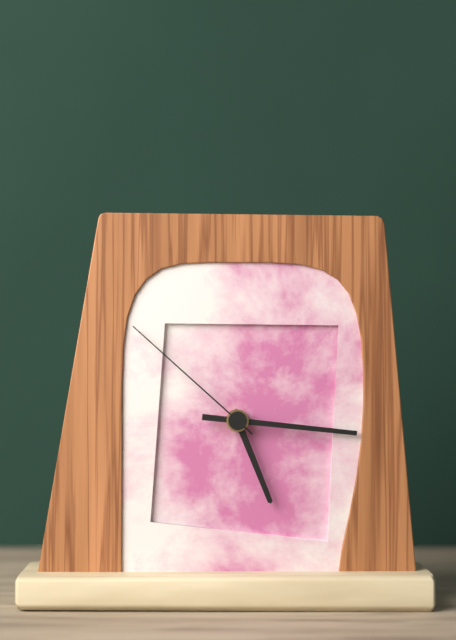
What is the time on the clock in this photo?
5:16:52
